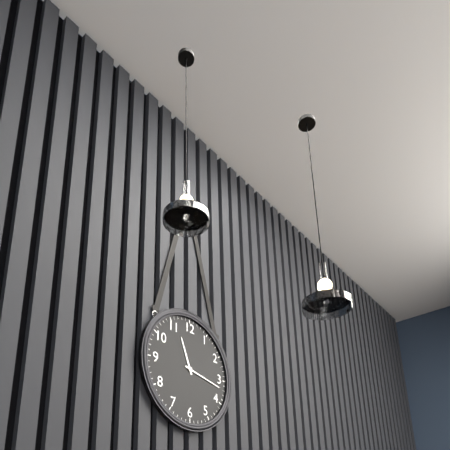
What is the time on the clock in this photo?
11:17
